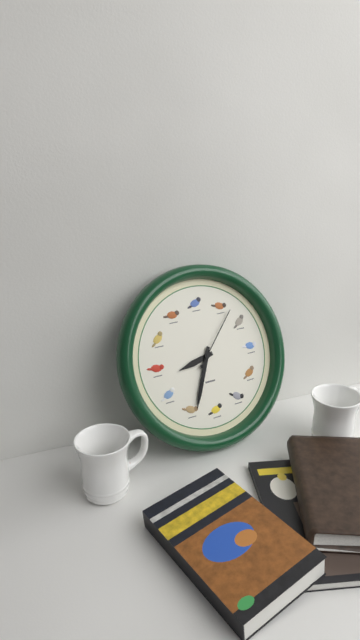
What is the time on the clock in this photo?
8:34:07
